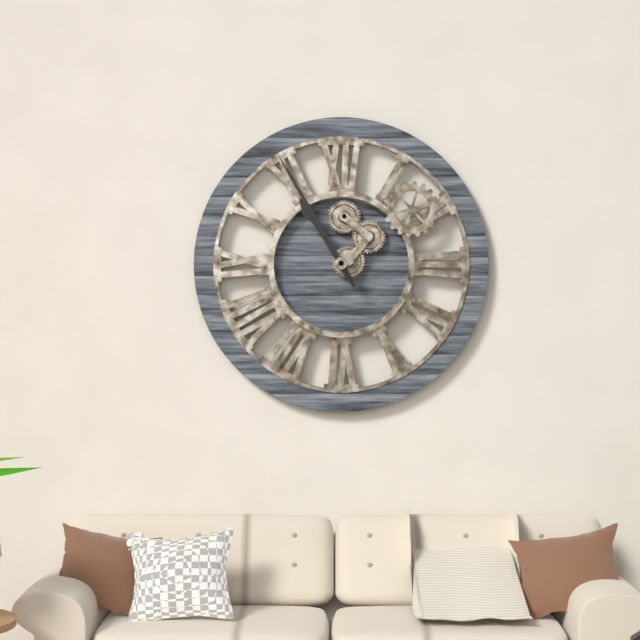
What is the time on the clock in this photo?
10:55
